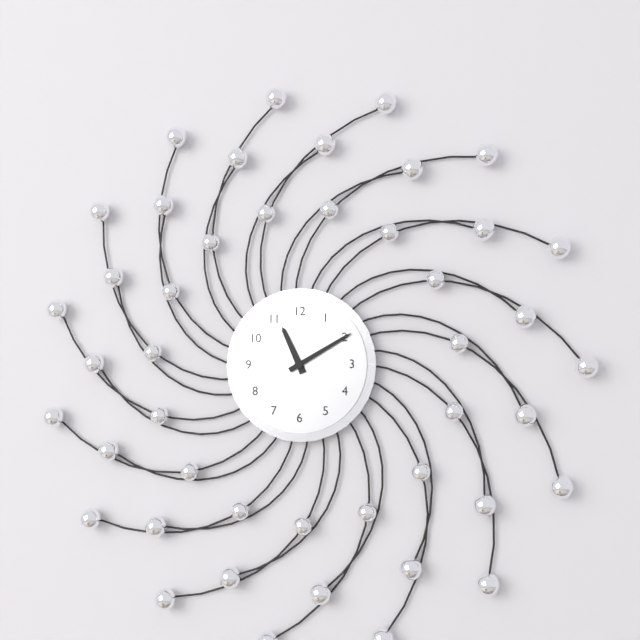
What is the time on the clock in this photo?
11:10
